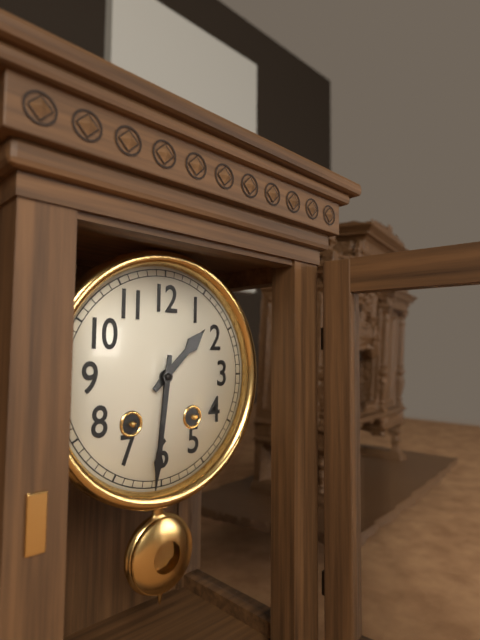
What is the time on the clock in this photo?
1:31
